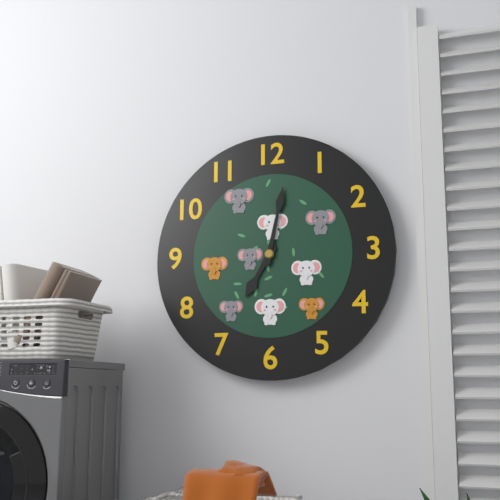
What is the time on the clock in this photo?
7:02
